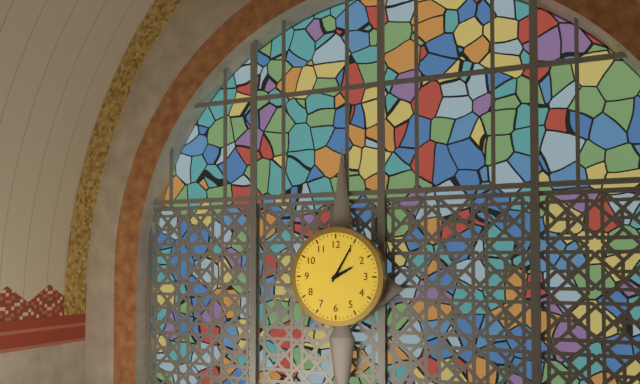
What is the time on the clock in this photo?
2:05
